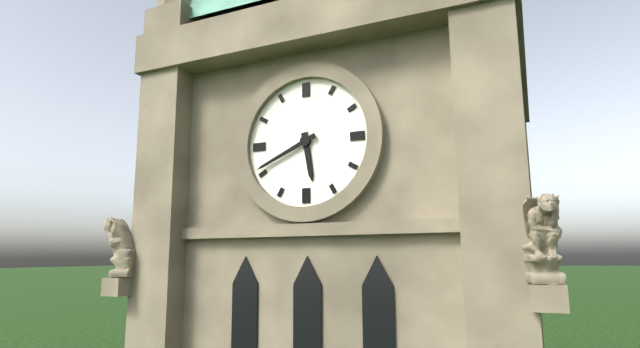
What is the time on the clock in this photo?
5:41
